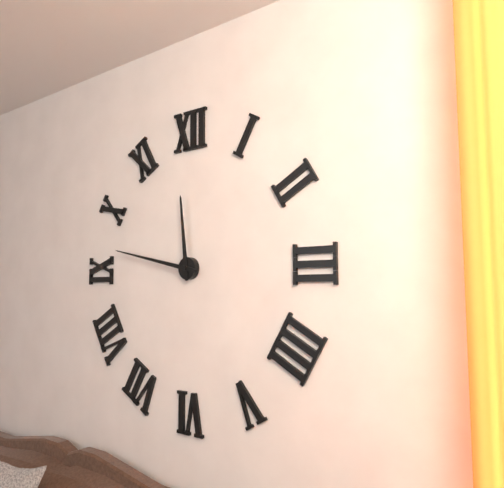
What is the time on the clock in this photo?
11:47
